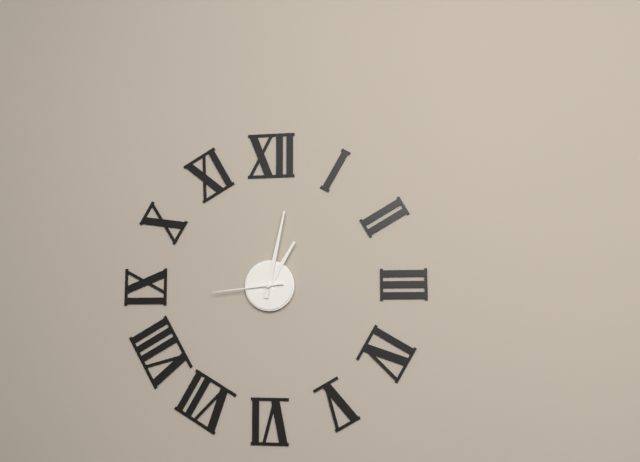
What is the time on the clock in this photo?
1:02:44
